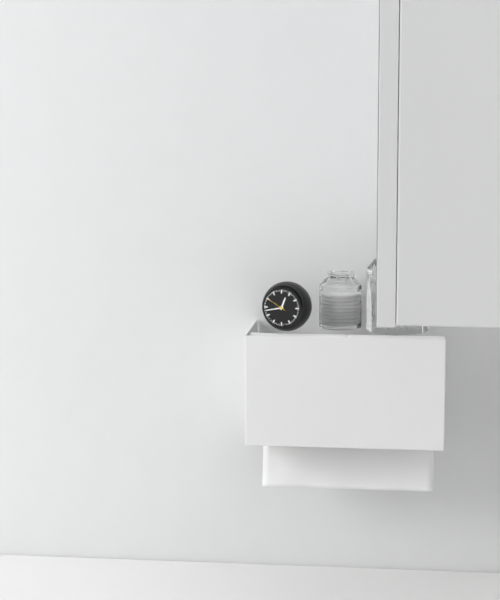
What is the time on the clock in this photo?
12:43
